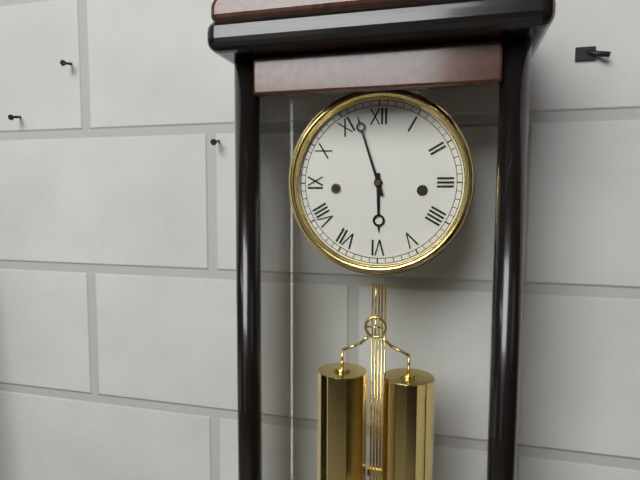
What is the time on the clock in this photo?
5:57
